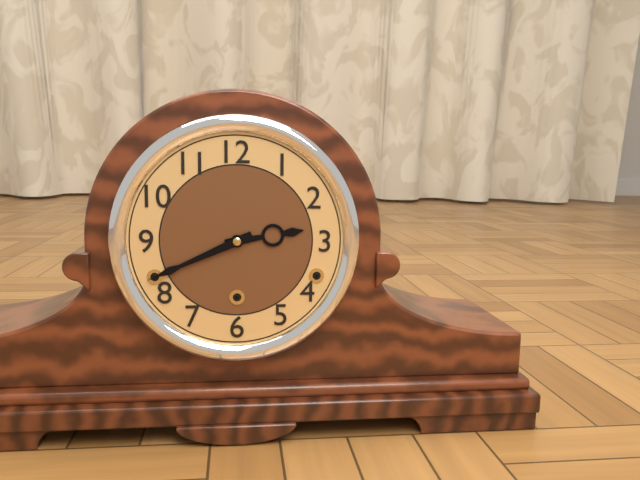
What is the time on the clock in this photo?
2:41
